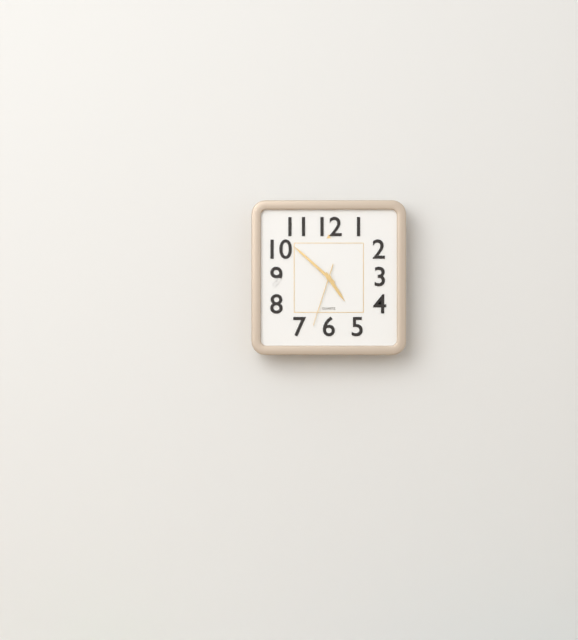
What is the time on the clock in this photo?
4:52:33
